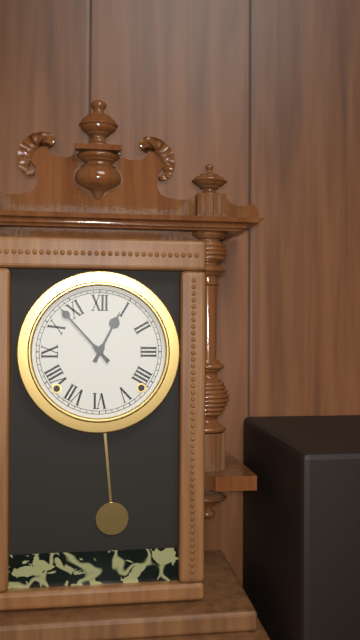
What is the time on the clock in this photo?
12:53
